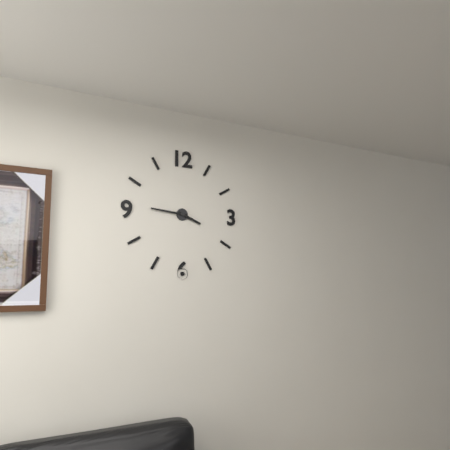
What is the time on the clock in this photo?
3:46
